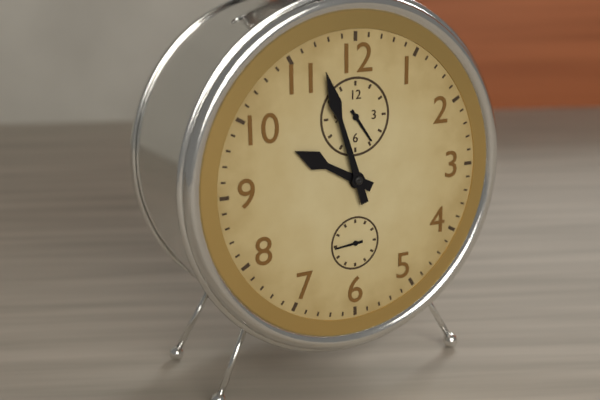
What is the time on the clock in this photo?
9:57
